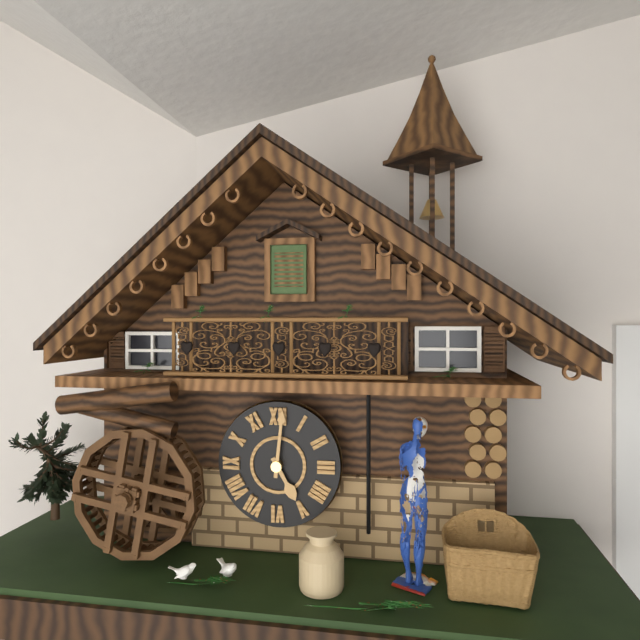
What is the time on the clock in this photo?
5:01
